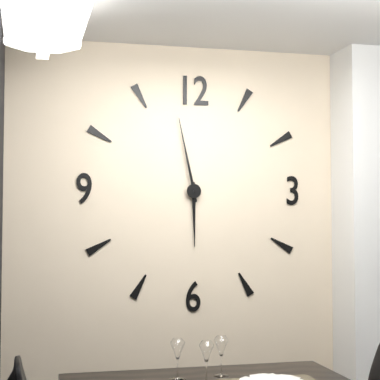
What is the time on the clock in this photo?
5:58
